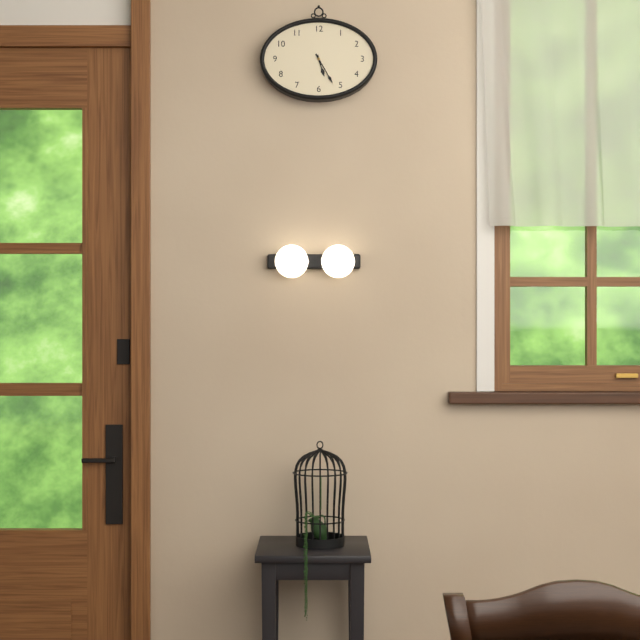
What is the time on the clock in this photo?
5:25
